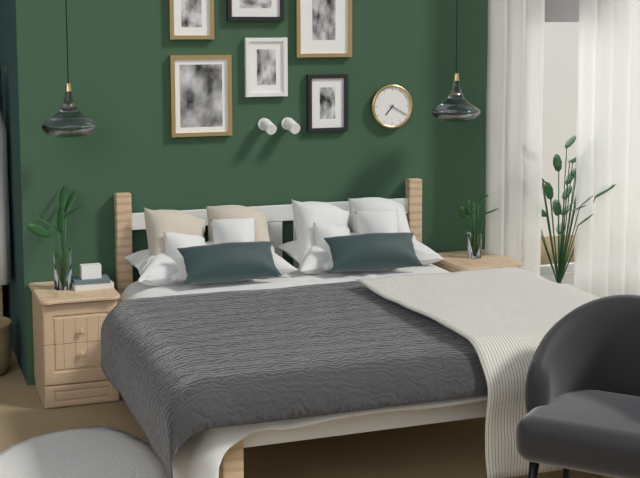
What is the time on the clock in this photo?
7:20
